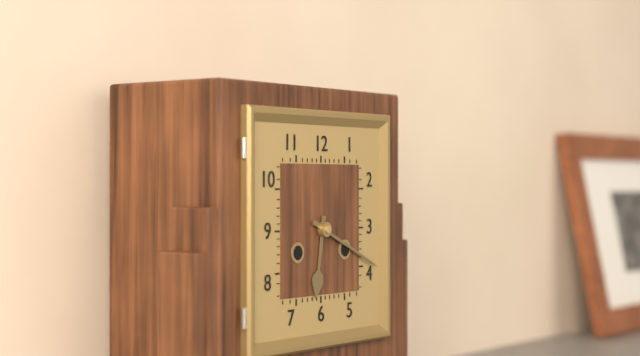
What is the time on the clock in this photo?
6:19
